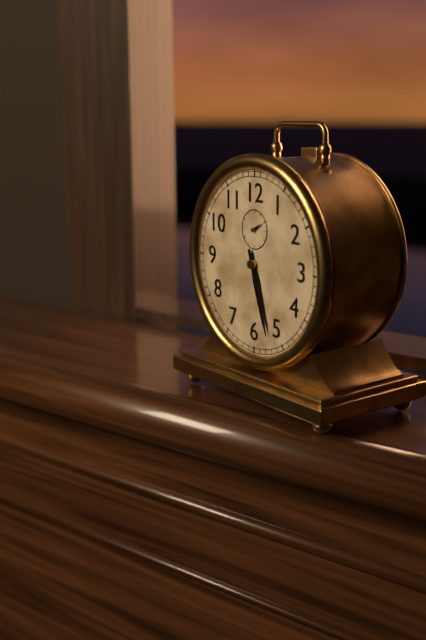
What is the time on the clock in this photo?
5:27
